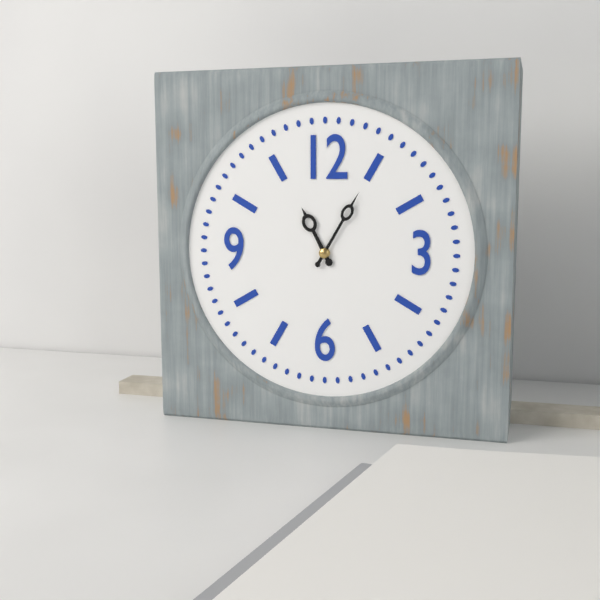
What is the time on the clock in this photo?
11:05
